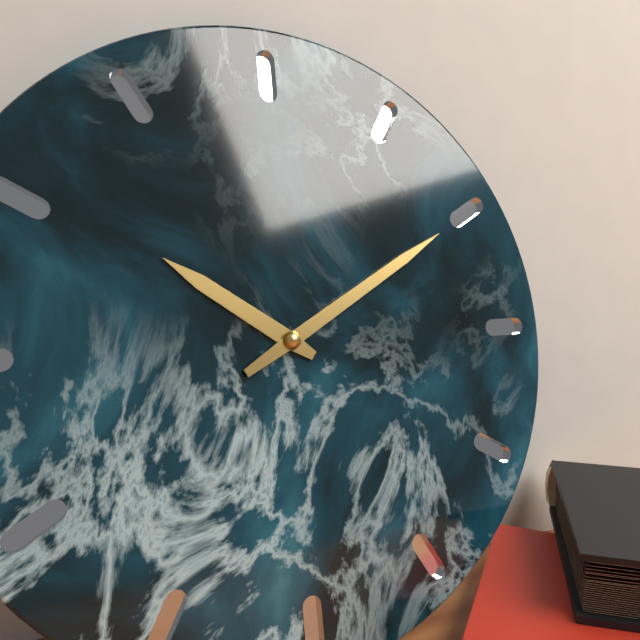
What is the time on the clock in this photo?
10:10
